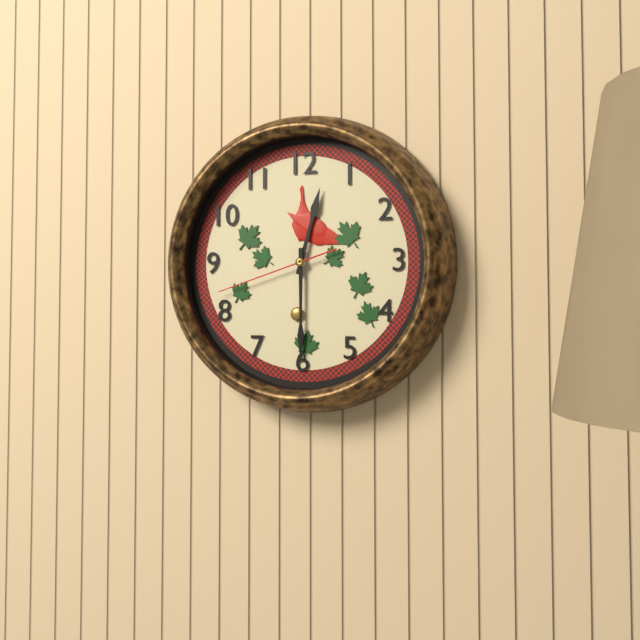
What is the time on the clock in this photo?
12:30:42
